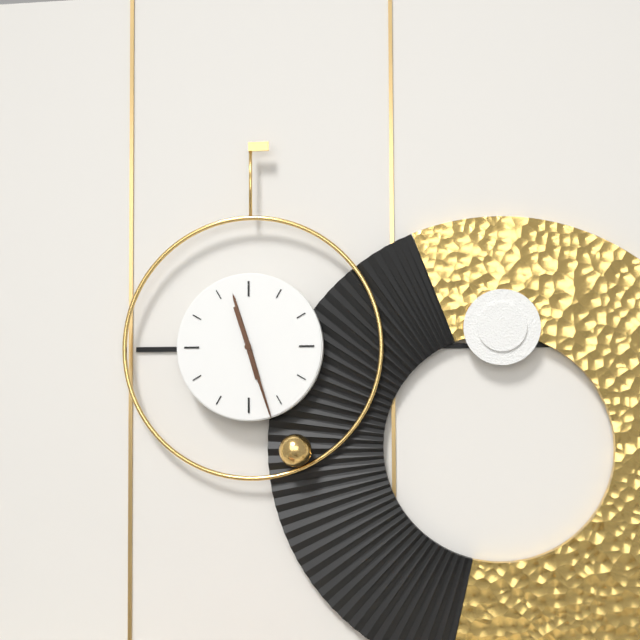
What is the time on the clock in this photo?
11:27
